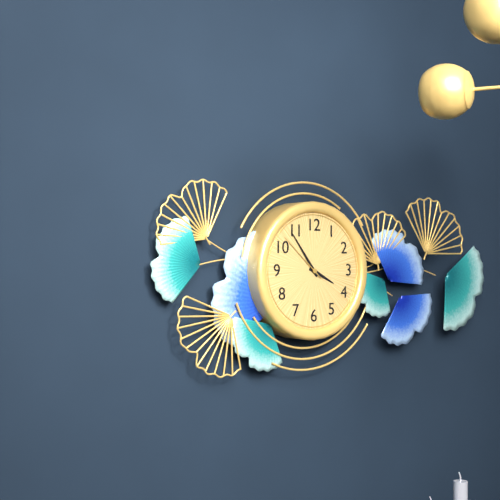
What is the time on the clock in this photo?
3:54:52
